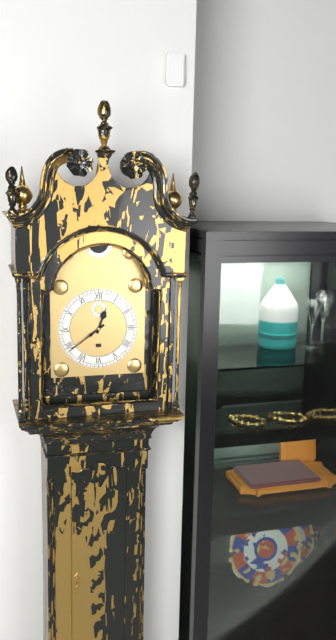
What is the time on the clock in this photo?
12:39
